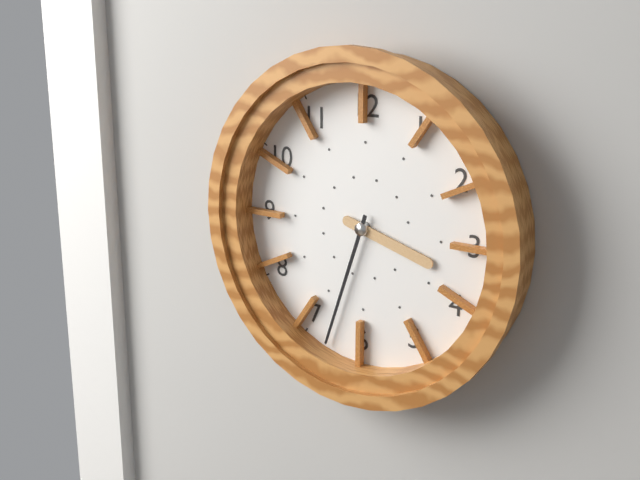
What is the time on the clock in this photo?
3:33
